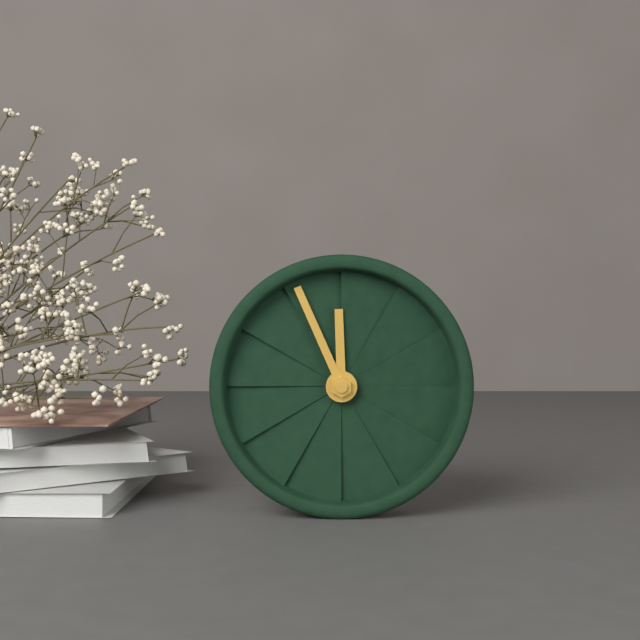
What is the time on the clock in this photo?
11:56
